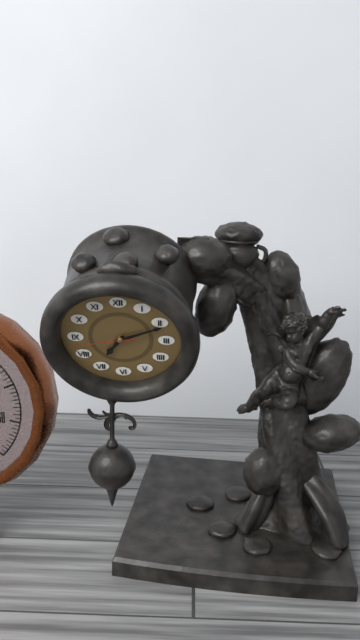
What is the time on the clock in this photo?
7:11:43
